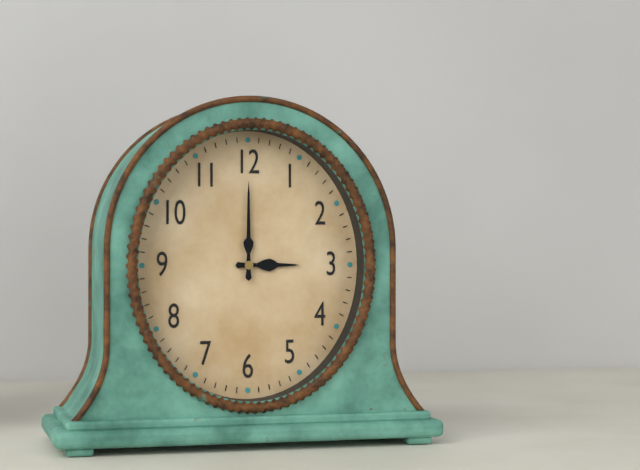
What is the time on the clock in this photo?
3:00
